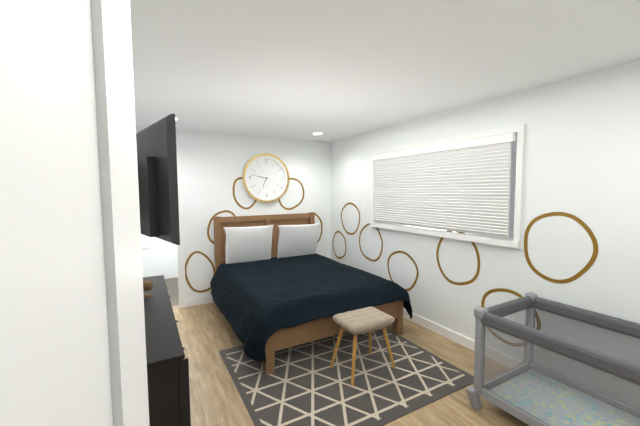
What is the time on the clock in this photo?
6:47
